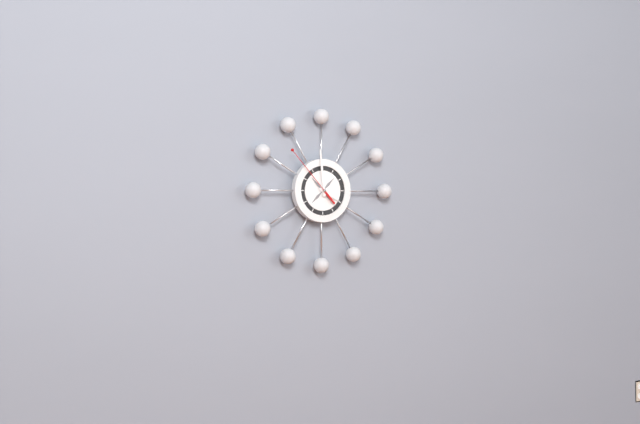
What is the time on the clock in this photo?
3:59:53
